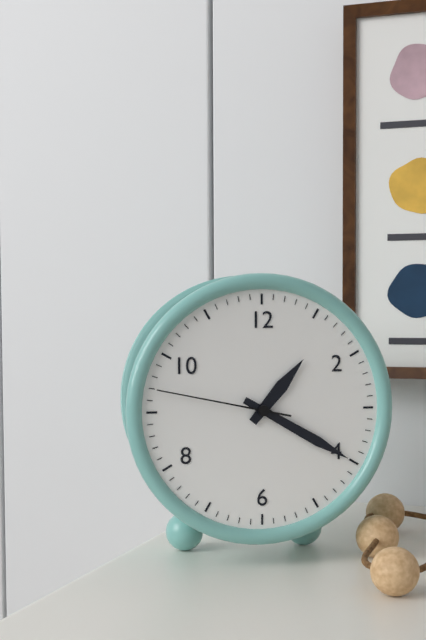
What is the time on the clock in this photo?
1:20:47
